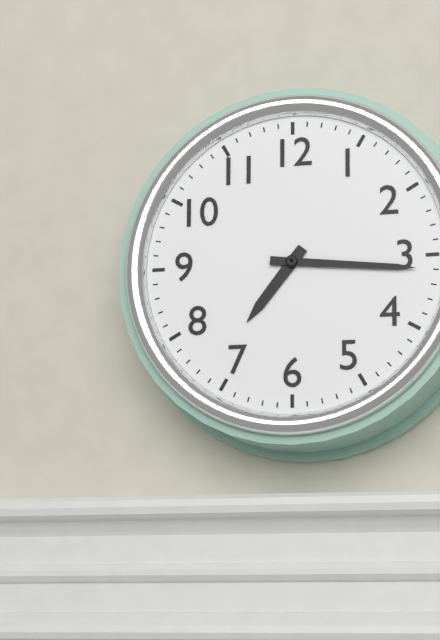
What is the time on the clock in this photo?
7:16
